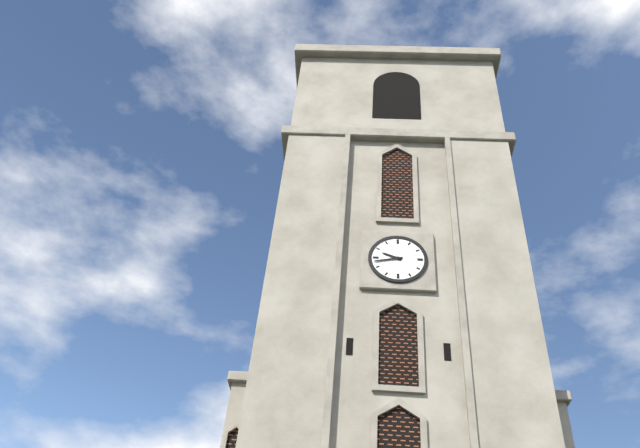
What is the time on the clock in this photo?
9:43
